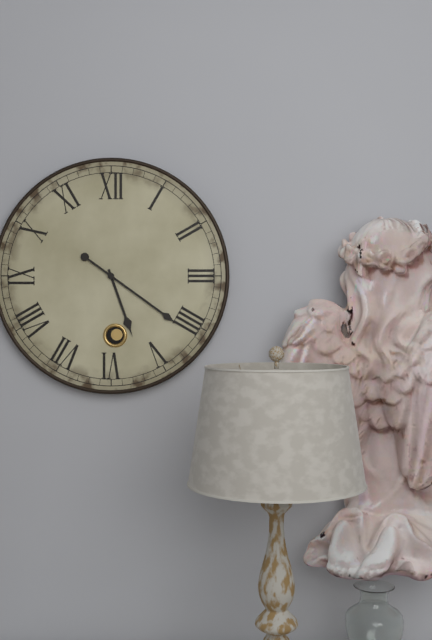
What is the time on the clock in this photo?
5:21
